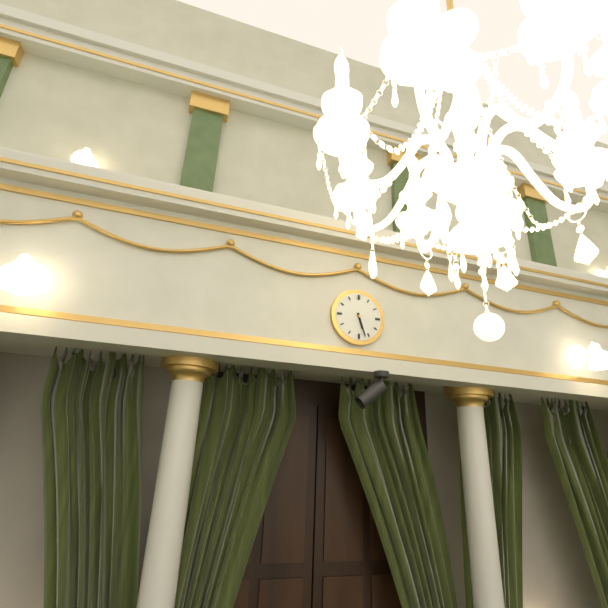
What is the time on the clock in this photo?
5:27
